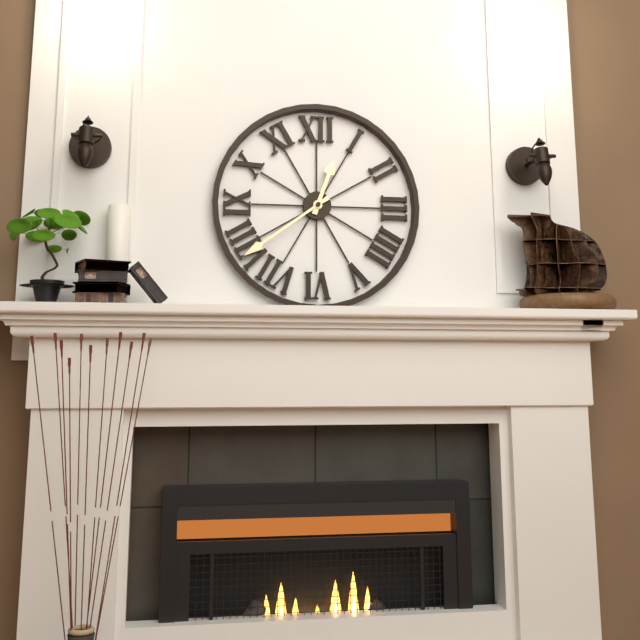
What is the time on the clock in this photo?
12:39
